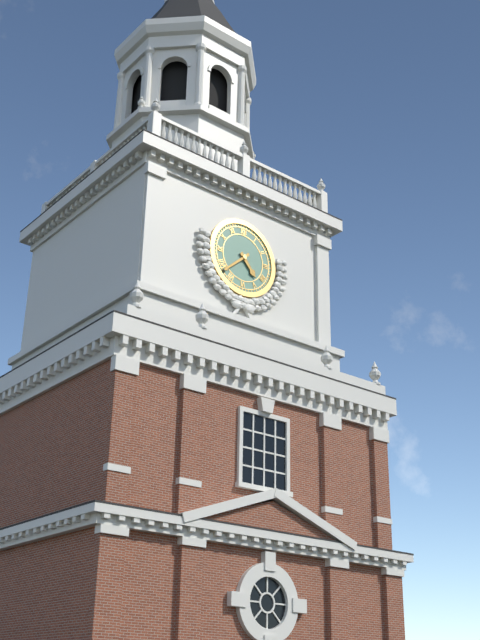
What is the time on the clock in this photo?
4:38
